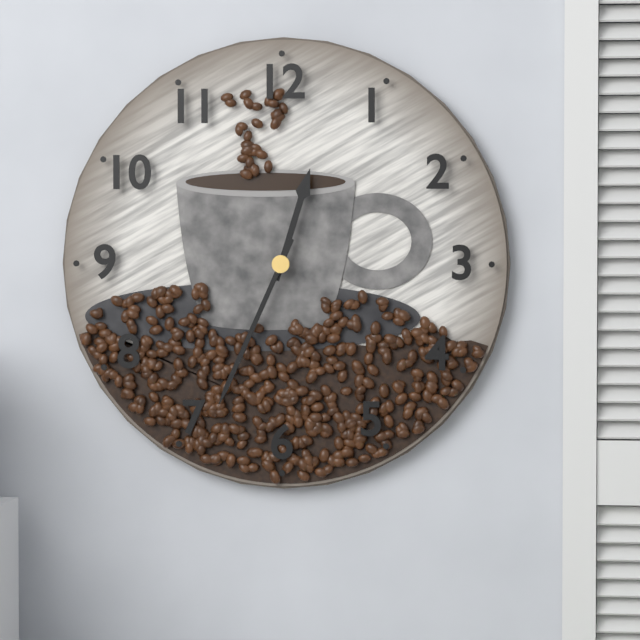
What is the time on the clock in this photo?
12:34
